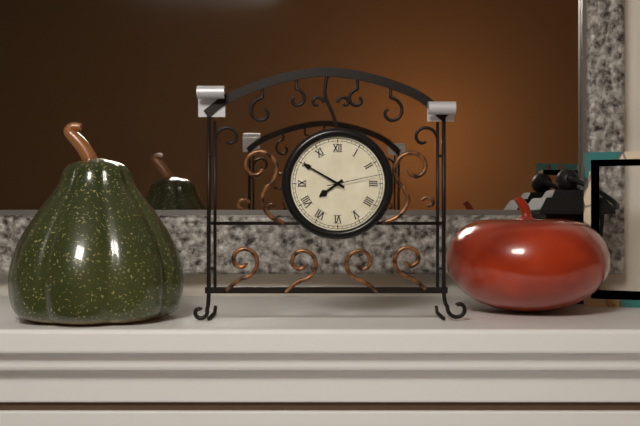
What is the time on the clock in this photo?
7:50:13
